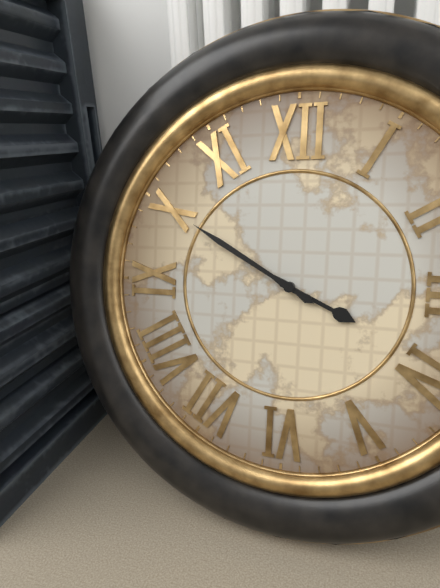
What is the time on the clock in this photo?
3:50
